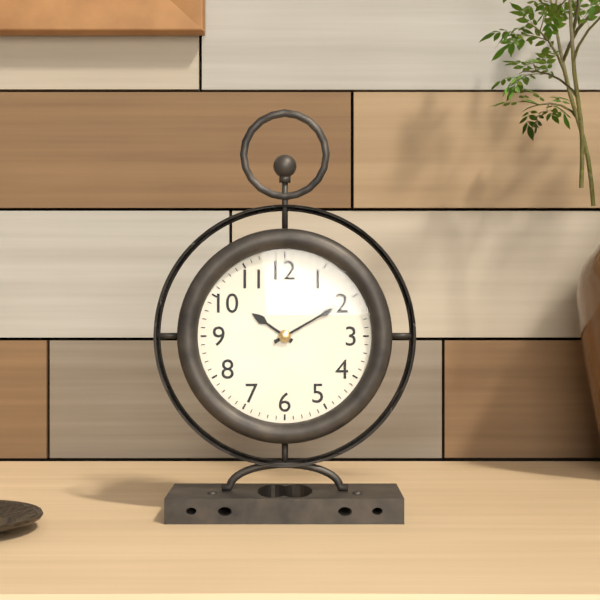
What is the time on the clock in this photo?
10:10
